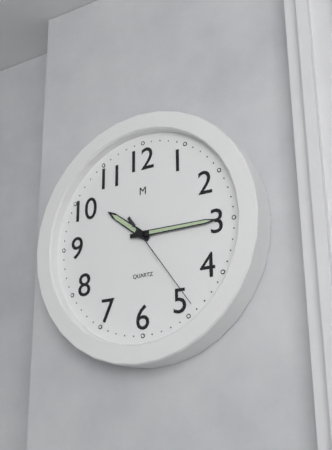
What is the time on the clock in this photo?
10:15:24
